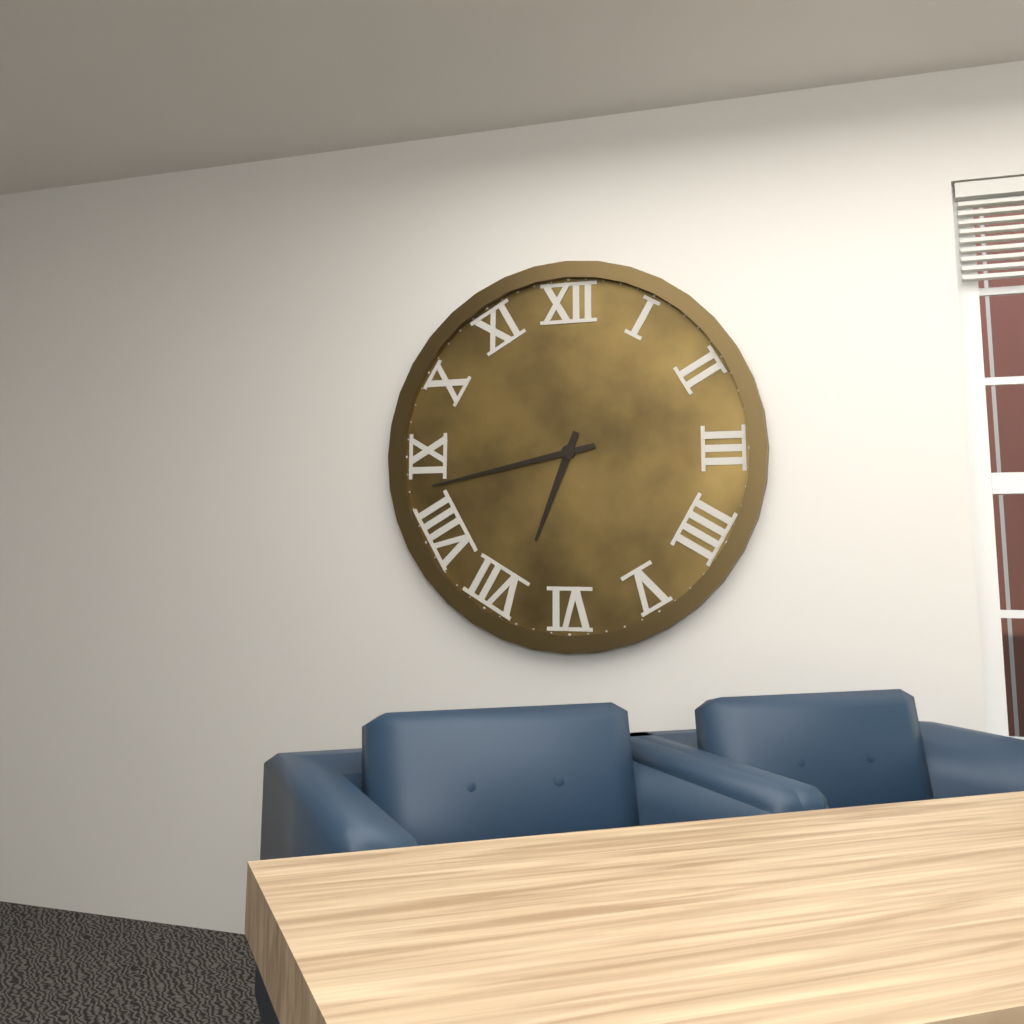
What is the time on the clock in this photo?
6:43
